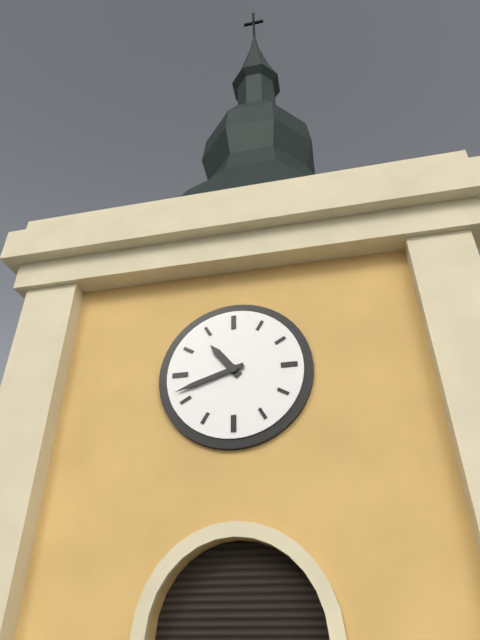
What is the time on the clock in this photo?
10:42
